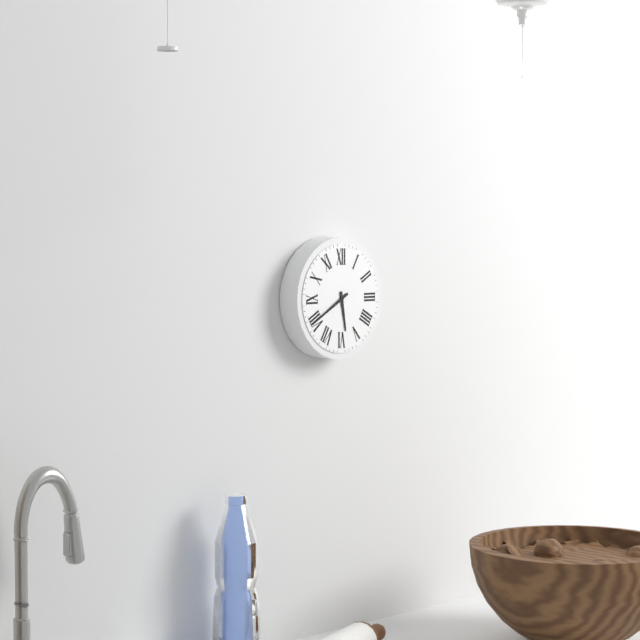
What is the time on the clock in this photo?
5:40
